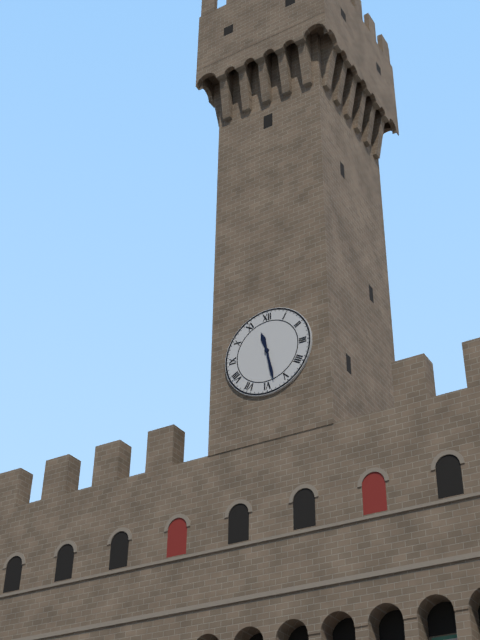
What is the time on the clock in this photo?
11:28
